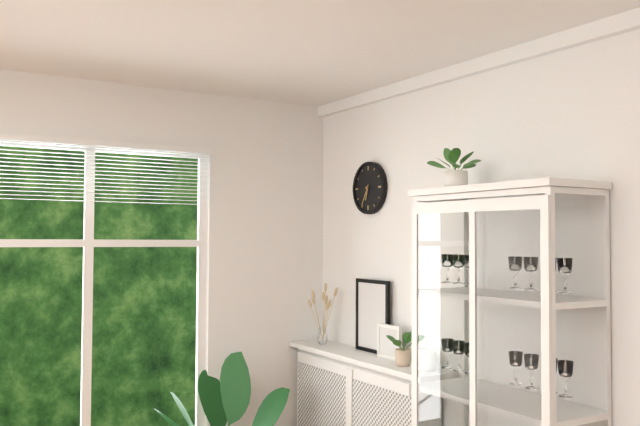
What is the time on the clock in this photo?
6:35
